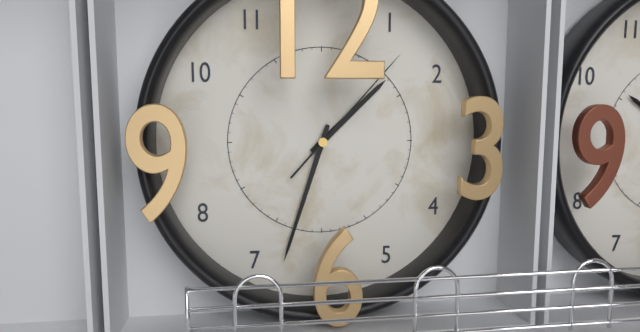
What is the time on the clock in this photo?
1:33:07
